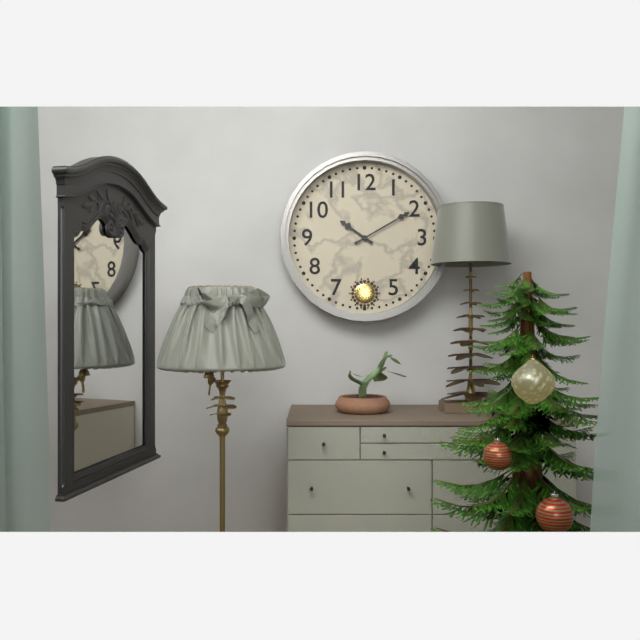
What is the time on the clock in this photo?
10:10
